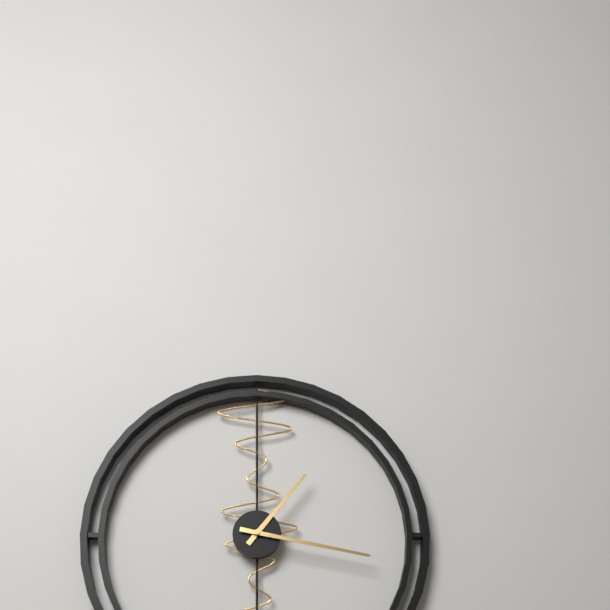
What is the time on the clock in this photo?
1:17
